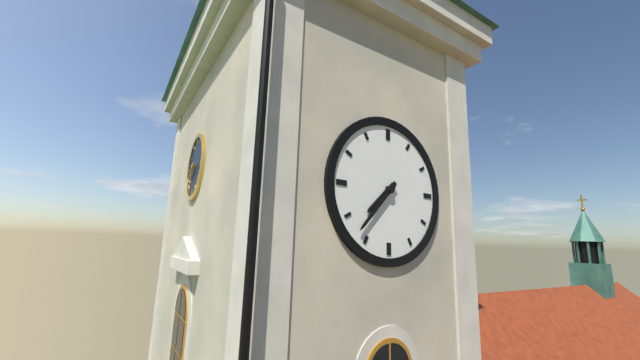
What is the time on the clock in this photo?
7:37
